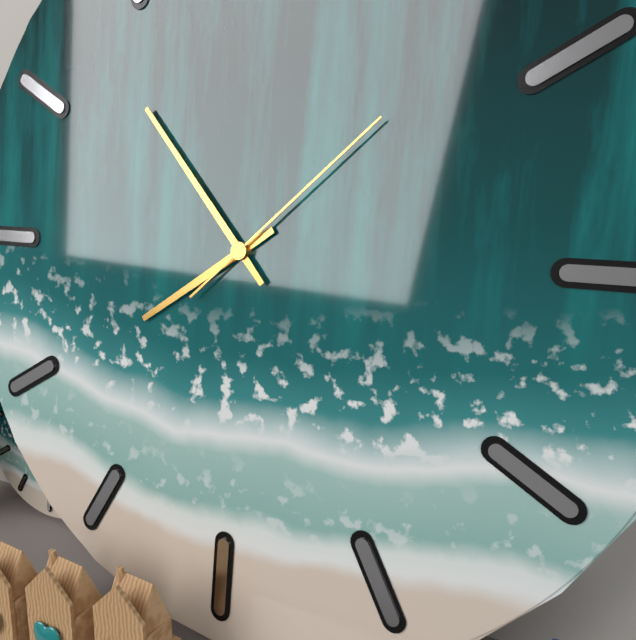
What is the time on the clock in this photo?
7:53:08
